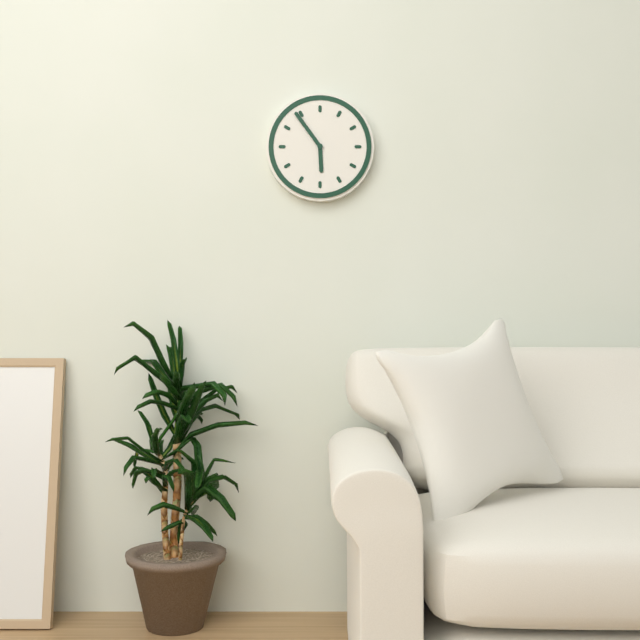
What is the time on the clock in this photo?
5:54
